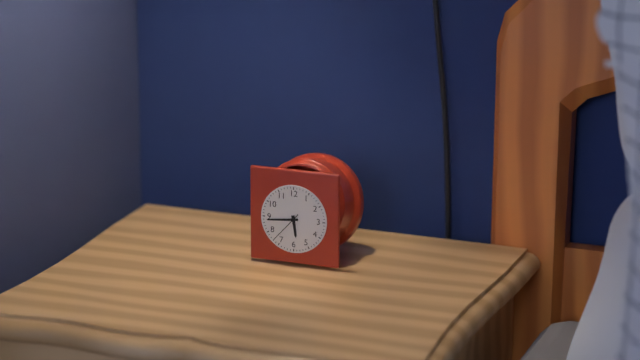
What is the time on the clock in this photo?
5:44
